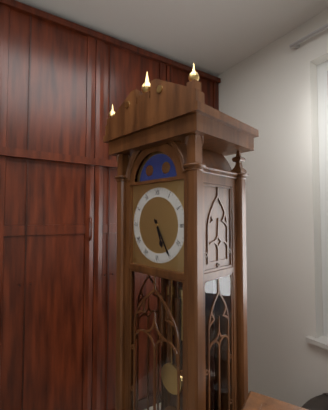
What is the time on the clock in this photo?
5:25
